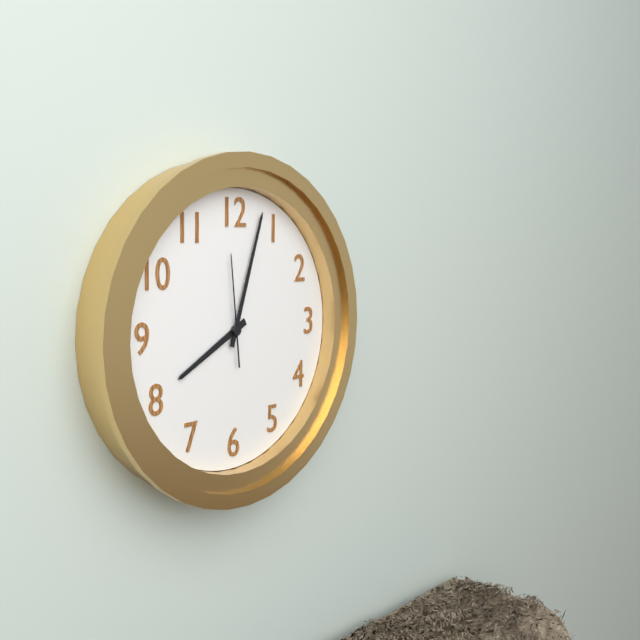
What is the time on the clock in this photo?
8:03:59
